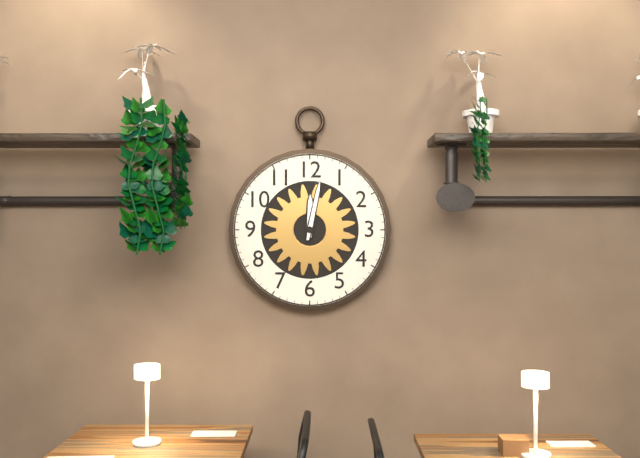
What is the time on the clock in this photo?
12:02
